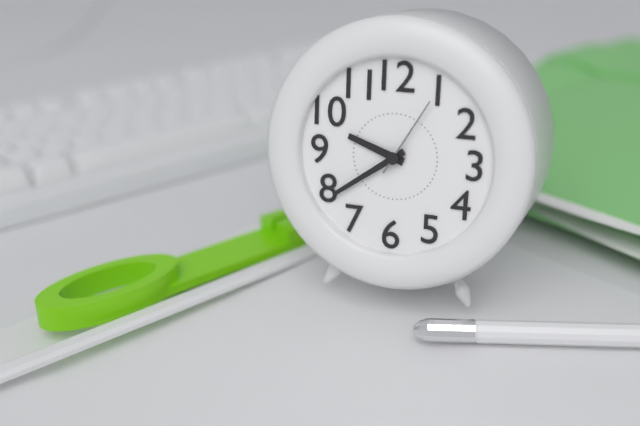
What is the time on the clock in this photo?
9:39:05
